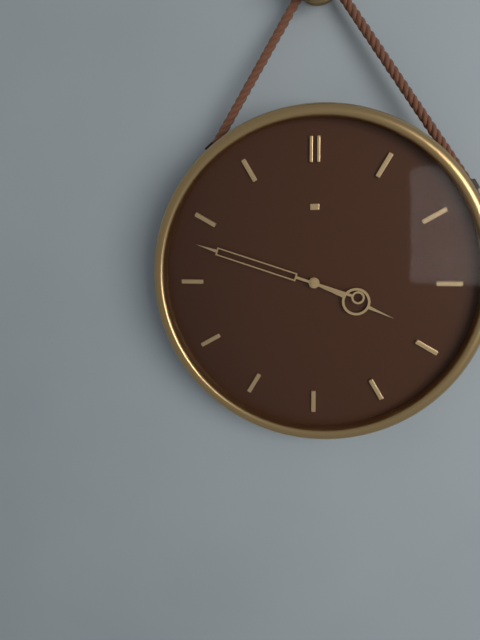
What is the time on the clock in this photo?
3:48
